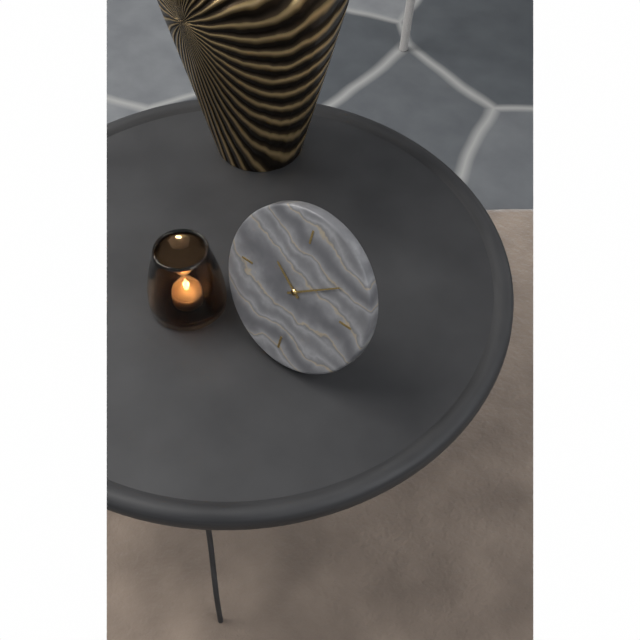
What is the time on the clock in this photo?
10:09
